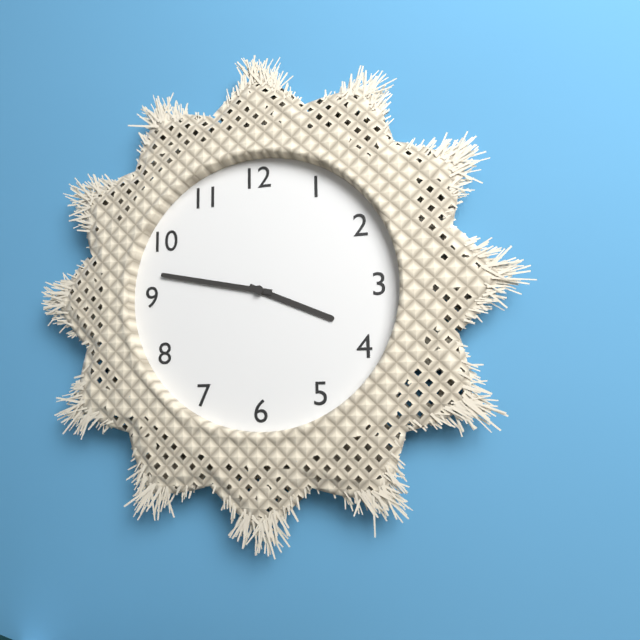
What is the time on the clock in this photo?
3:47
